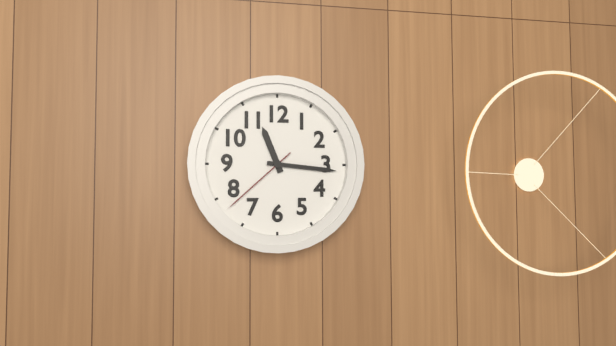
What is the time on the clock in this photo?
11:16:38
